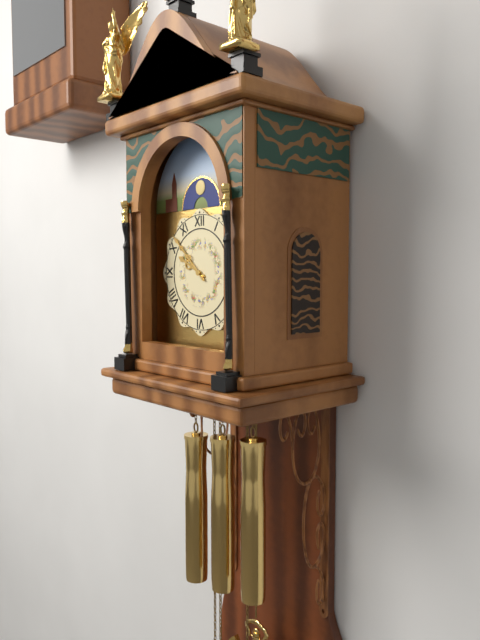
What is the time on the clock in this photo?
9:52
